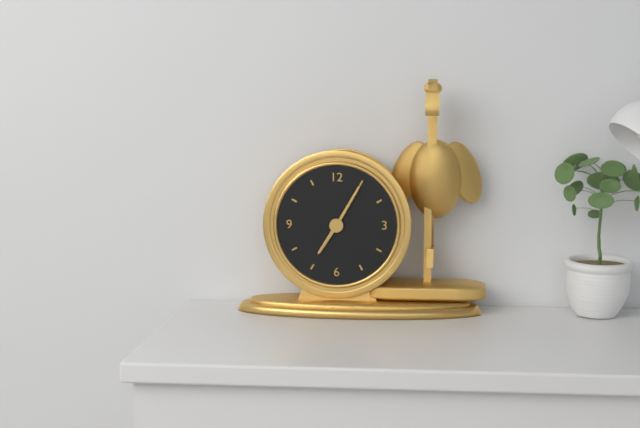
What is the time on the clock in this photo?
7:05
